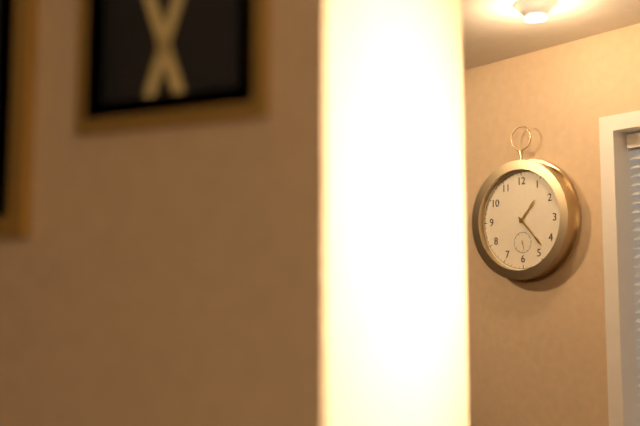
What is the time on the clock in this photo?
1:23
